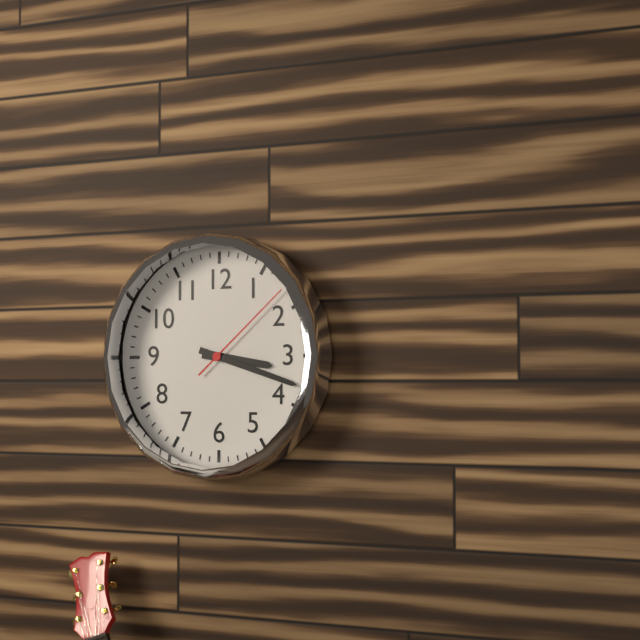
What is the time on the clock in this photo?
3:18:08
